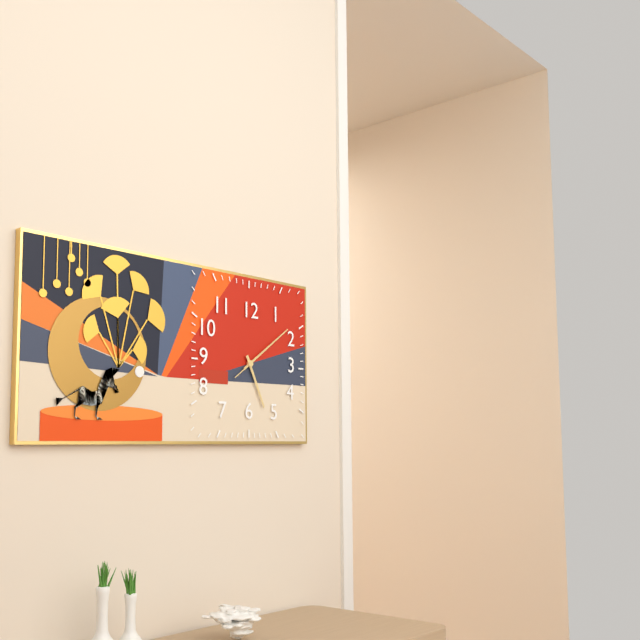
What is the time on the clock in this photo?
5:09
